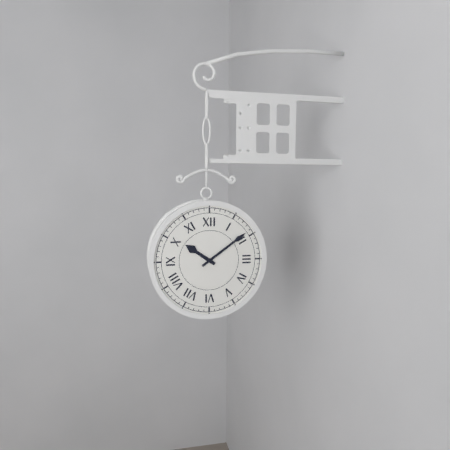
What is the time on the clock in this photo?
10:09
